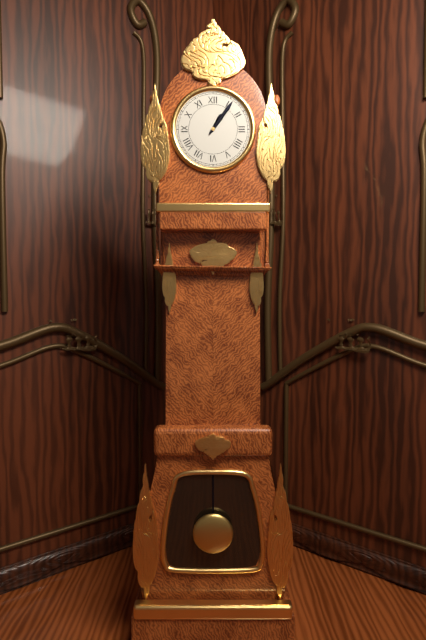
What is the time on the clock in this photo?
1:06
